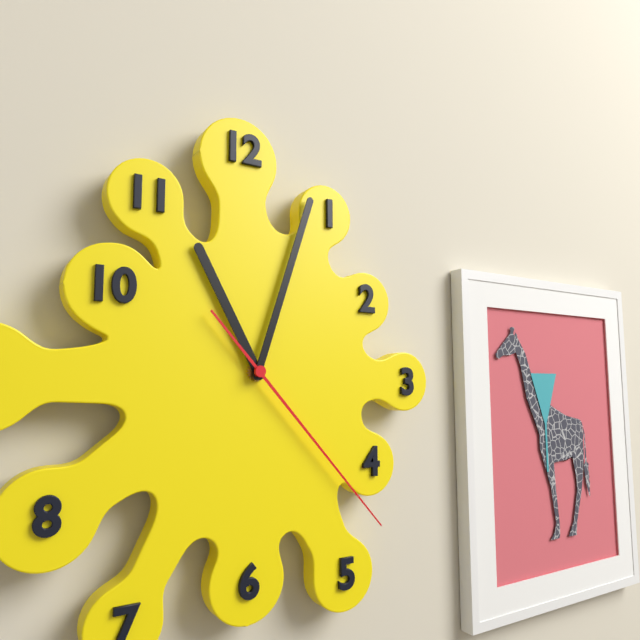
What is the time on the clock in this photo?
11:03:23
